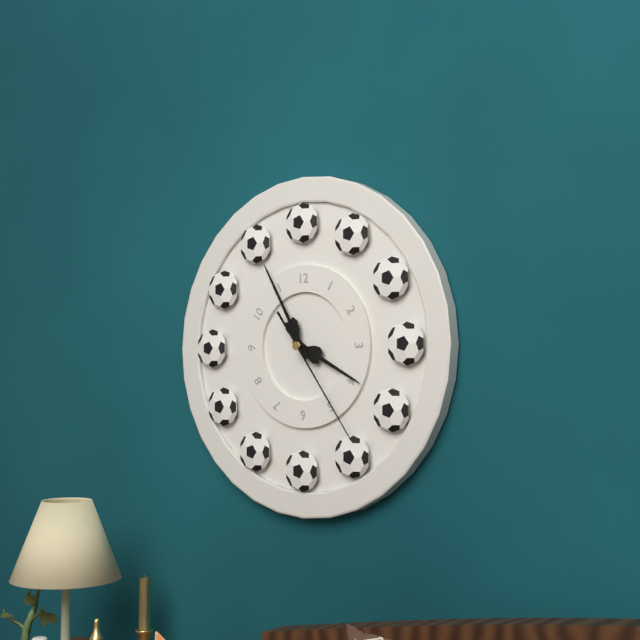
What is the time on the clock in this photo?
3:55:24
